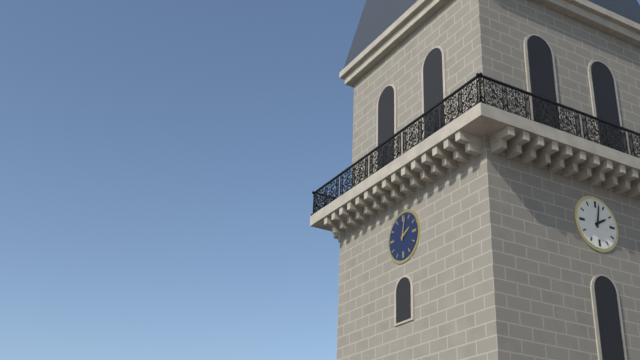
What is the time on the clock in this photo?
2:02
